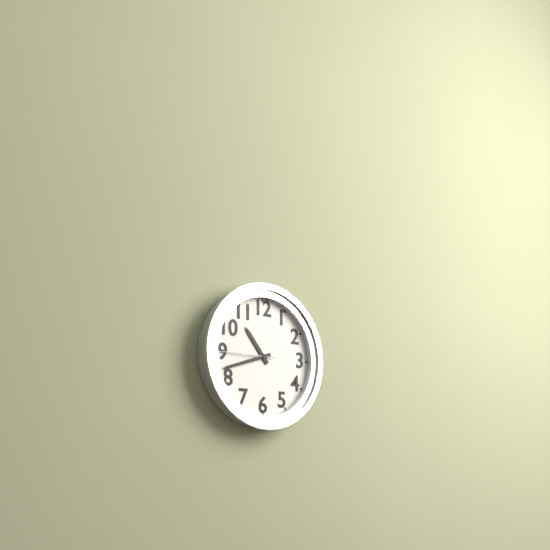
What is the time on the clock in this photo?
10:42
